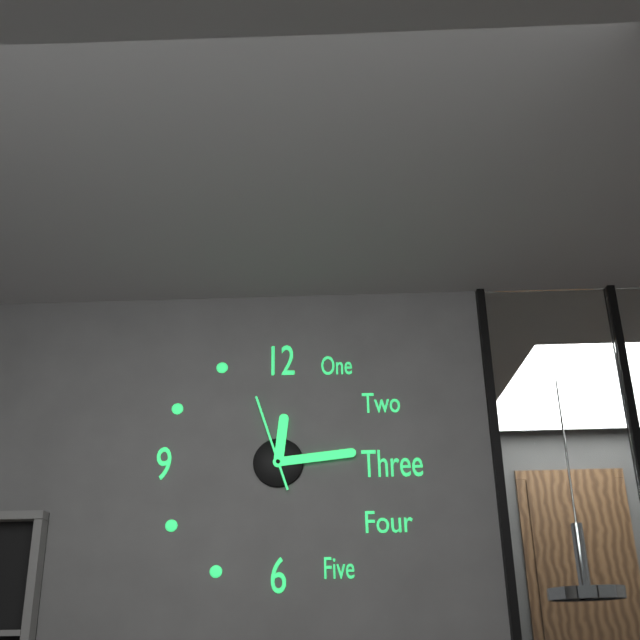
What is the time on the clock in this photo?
12:14:57
